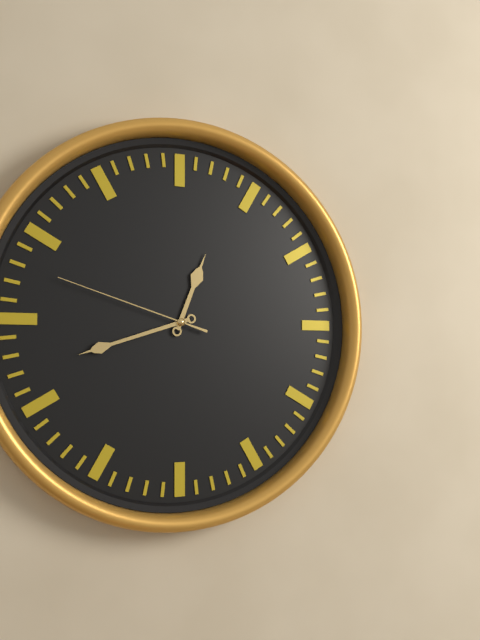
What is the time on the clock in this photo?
12:42:48
